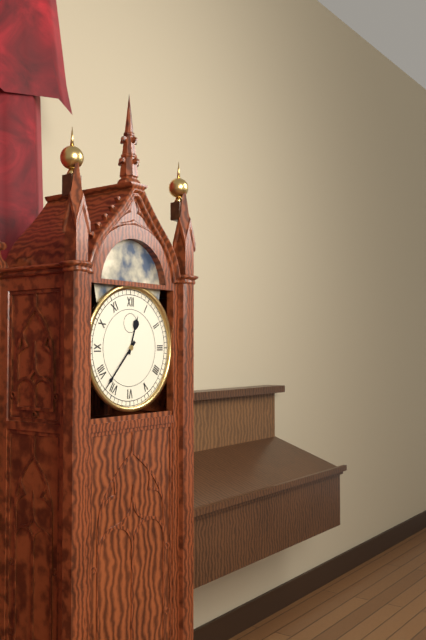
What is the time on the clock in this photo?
12:37
